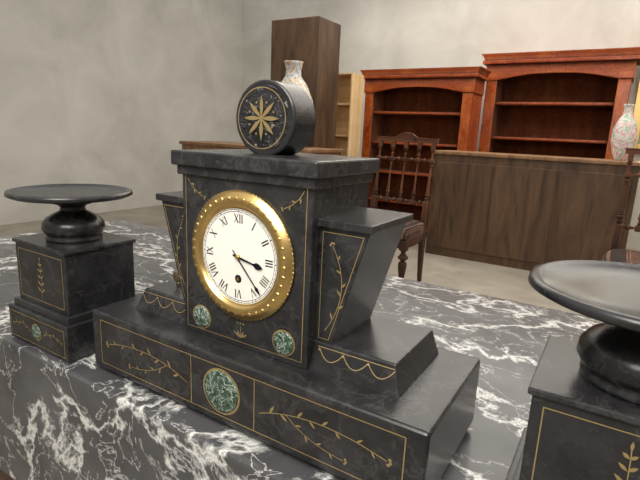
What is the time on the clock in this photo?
3:23
